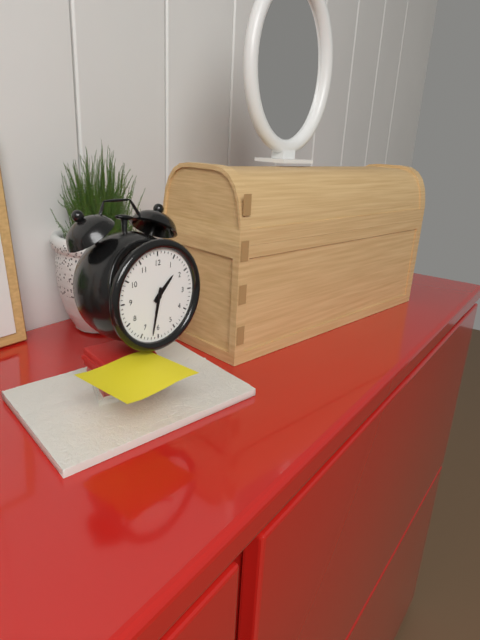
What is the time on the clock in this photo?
1:32
